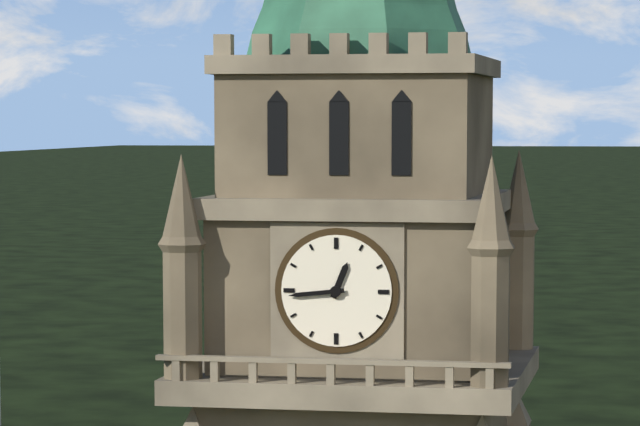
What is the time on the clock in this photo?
12:44
